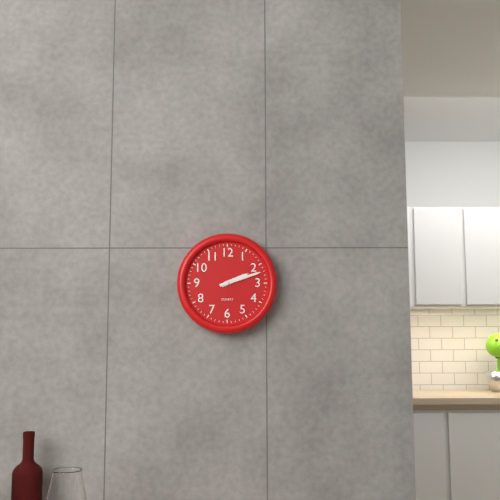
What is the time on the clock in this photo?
2:12
